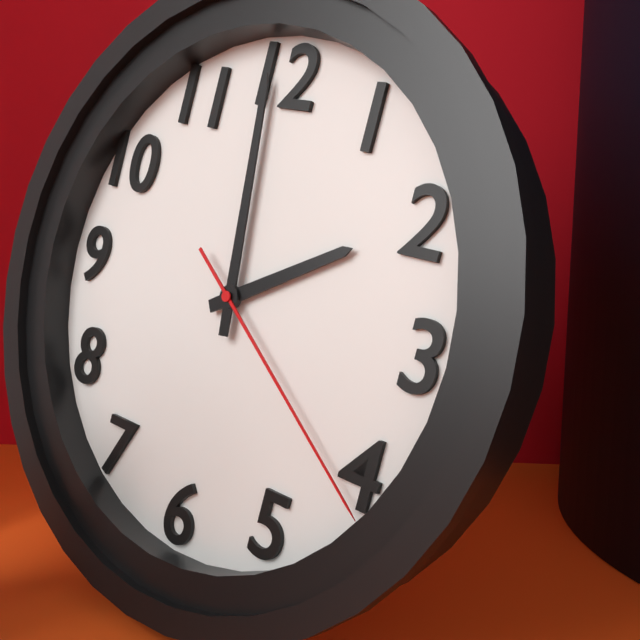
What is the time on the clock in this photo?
1:59:21
